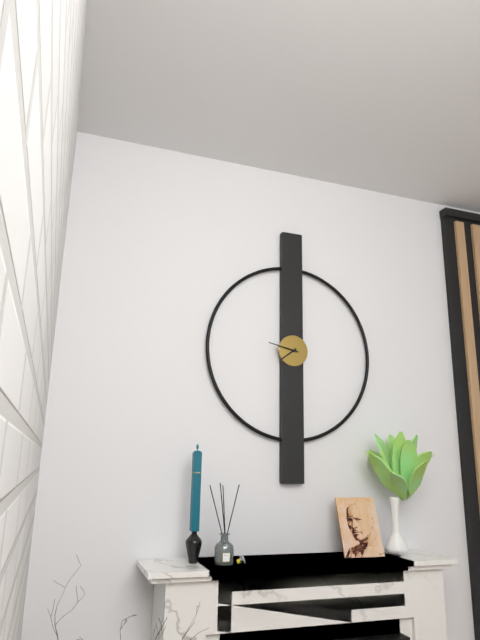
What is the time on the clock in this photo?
7:47
